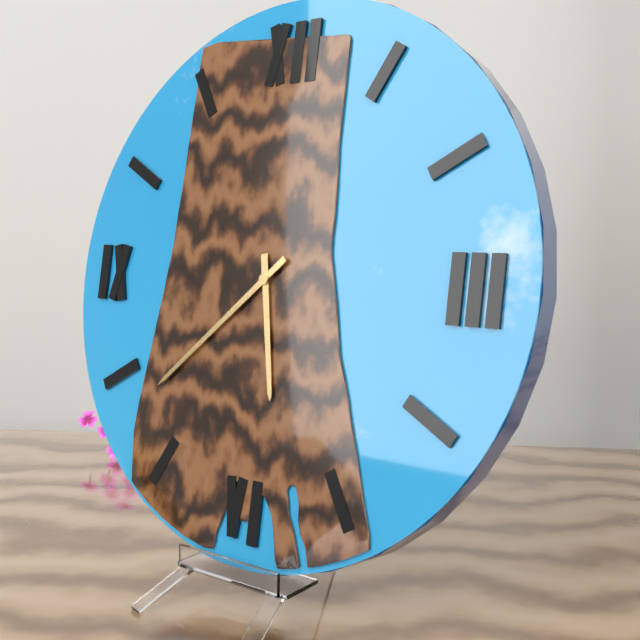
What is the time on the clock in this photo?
5:38
